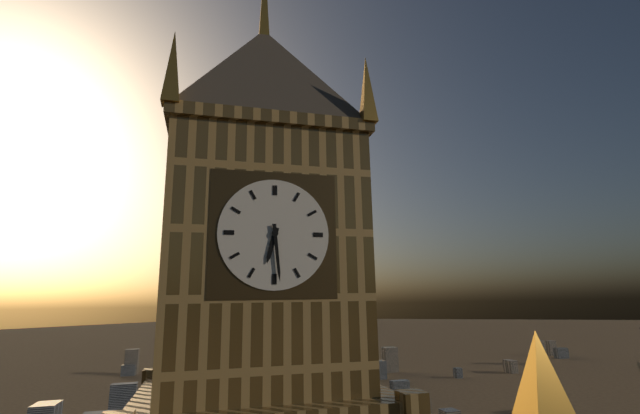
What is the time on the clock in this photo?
6:29
